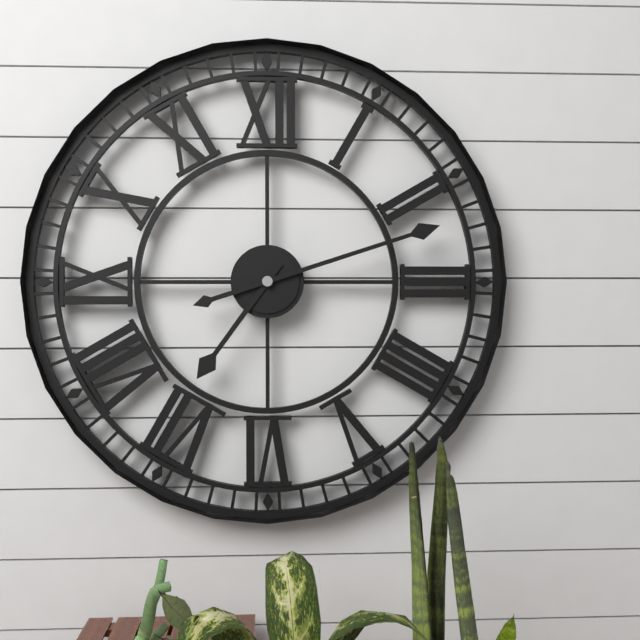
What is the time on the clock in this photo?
7:12
